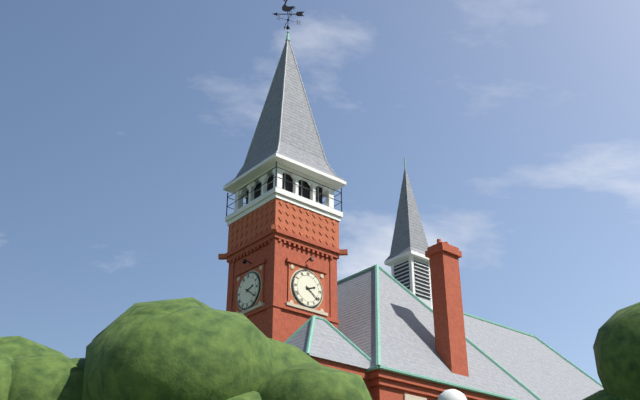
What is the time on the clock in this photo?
2:21
